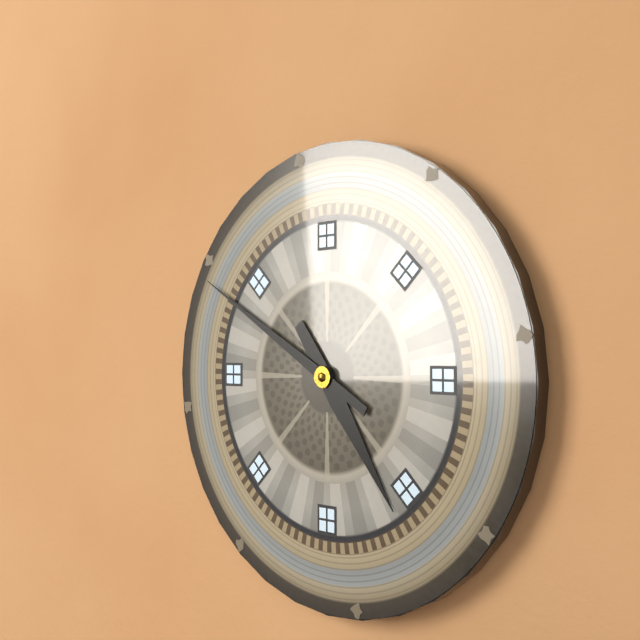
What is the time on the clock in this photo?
4:50
